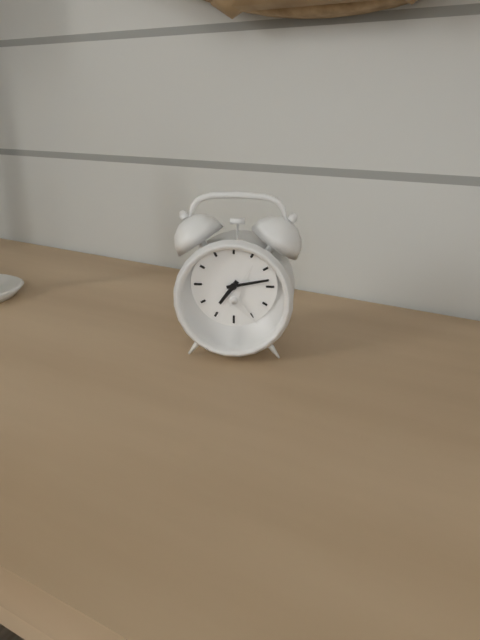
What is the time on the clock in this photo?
7:13
